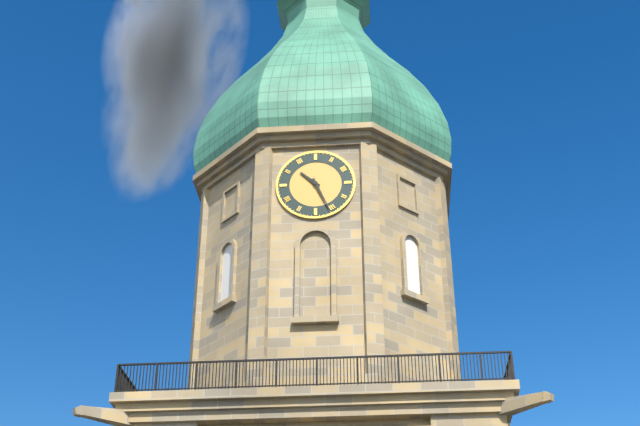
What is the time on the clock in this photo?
10:26
